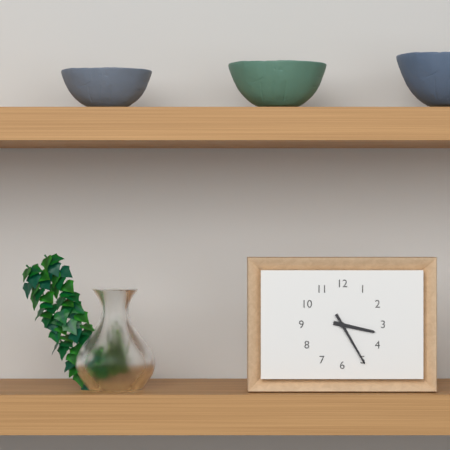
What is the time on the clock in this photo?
3:25
